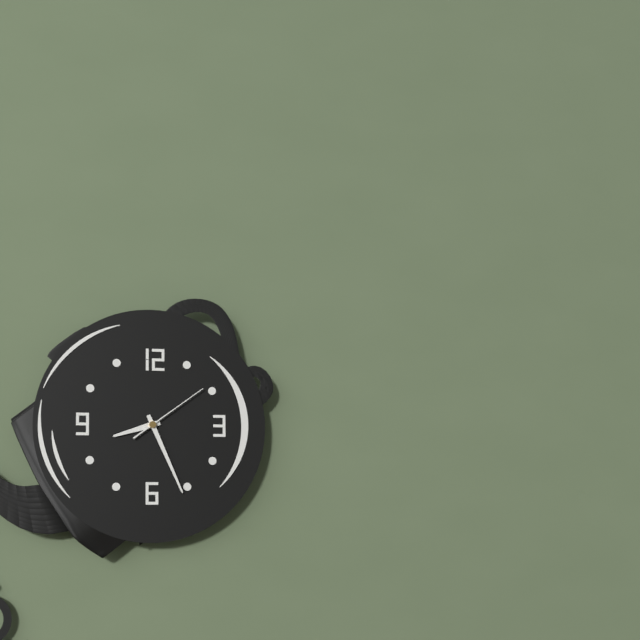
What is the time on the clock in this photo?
8:26:09
